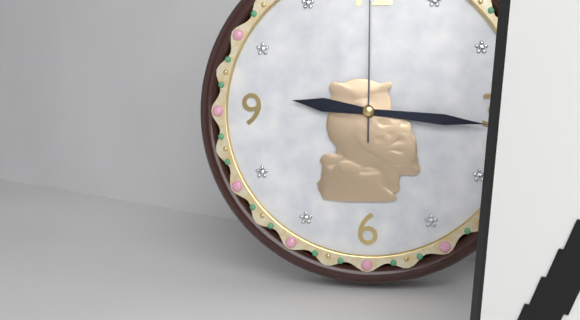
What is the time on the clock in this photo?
9:16
